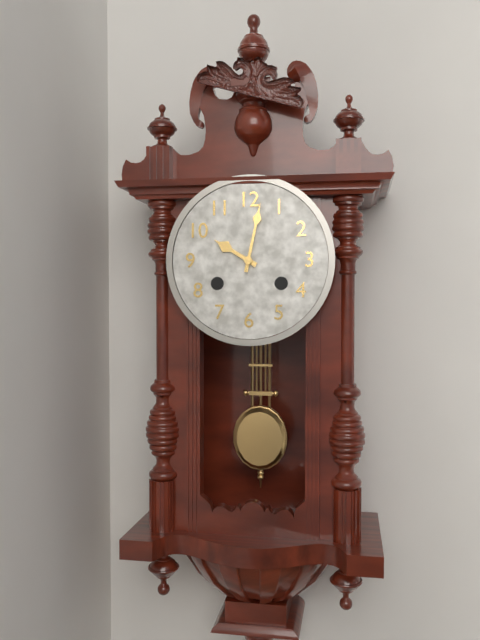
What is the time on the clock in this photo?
10:02
